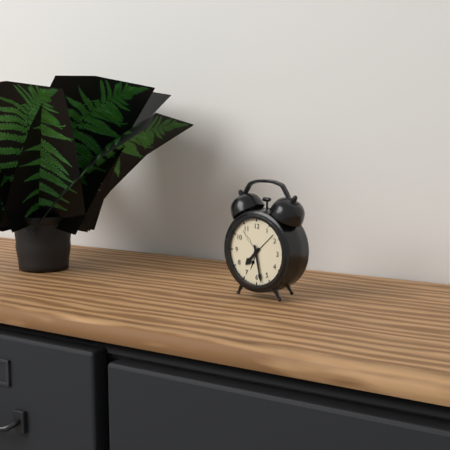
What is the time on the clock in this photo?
7:28
